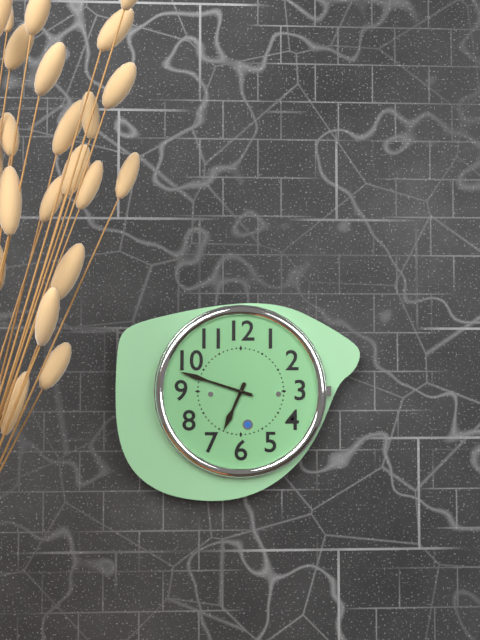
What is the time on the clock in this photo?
6:48
